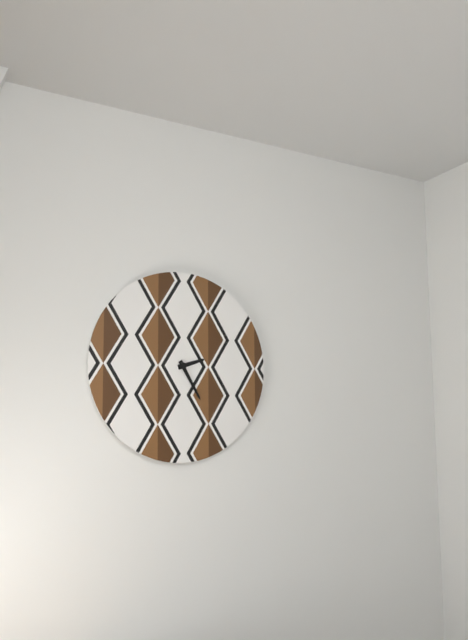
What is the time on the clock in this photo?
2:25
